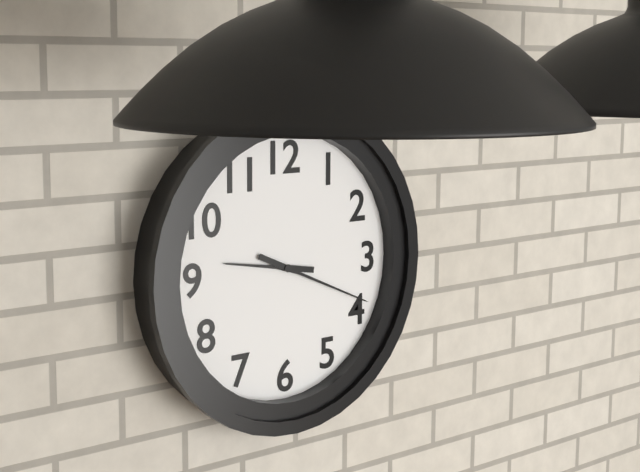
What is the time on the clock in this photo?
9:19
